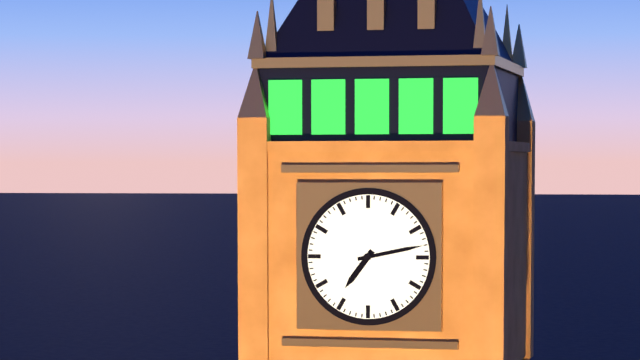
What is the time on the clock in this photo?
7:13
